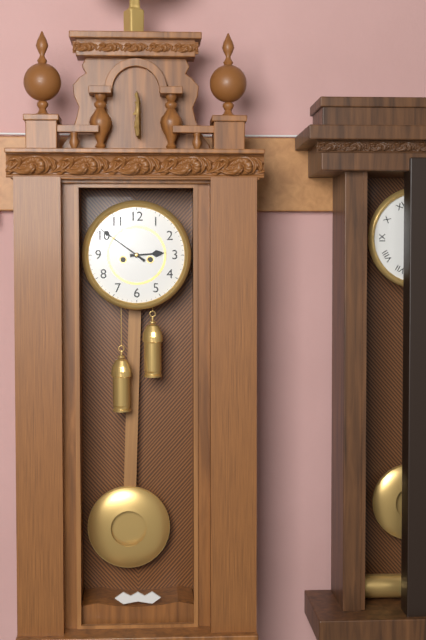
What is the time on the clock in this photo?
2:51
